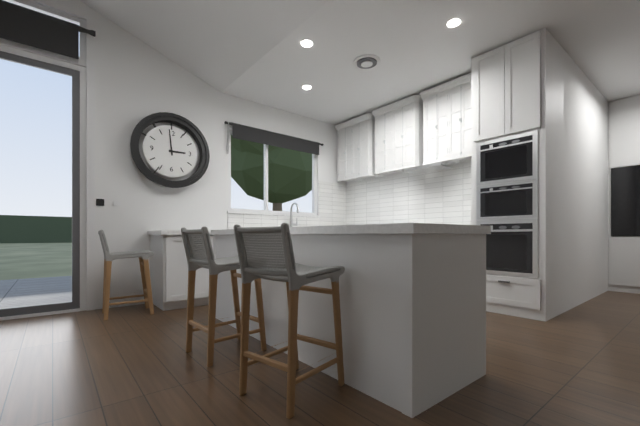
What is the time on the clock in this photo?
2:59
